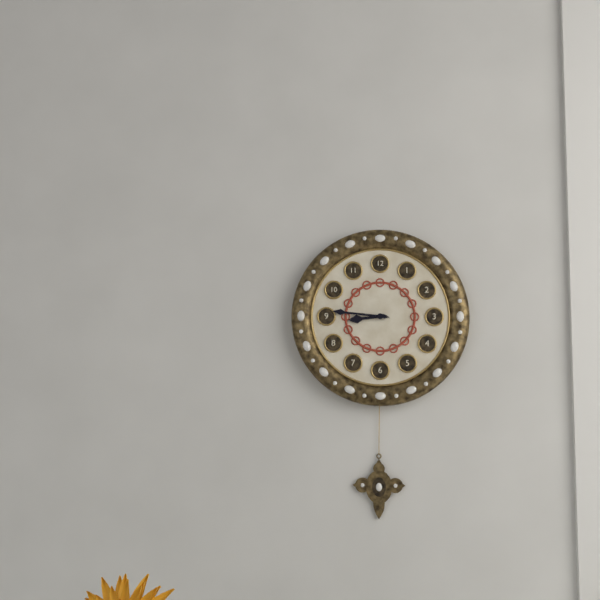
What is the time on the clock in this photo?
8:46
